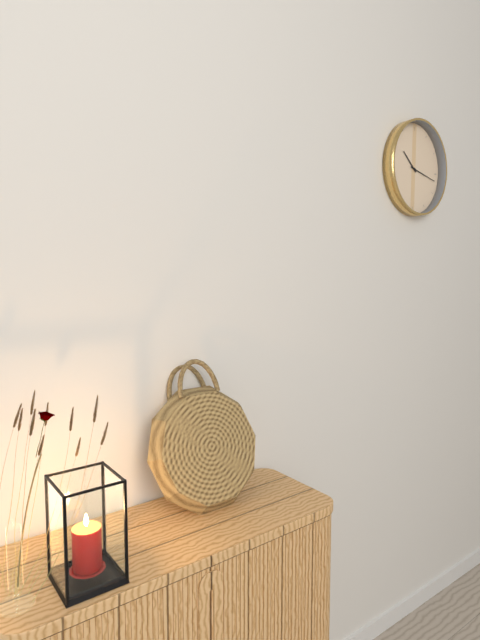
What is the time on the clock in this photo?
10:17
